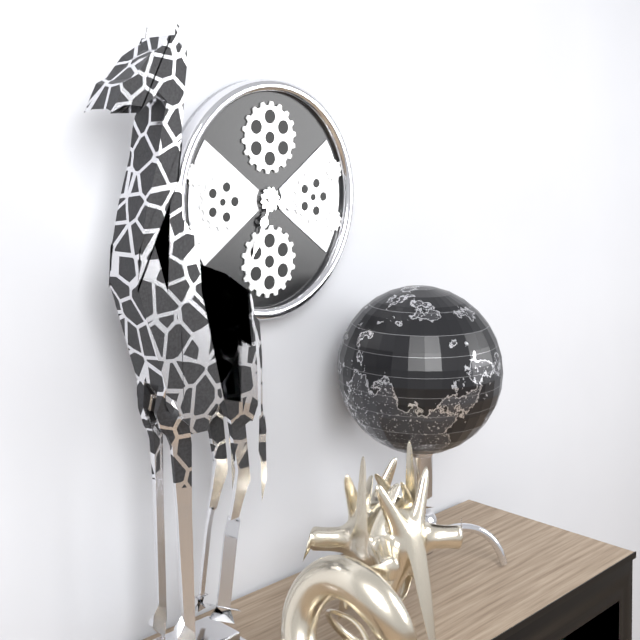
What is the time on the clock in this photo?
3:34
